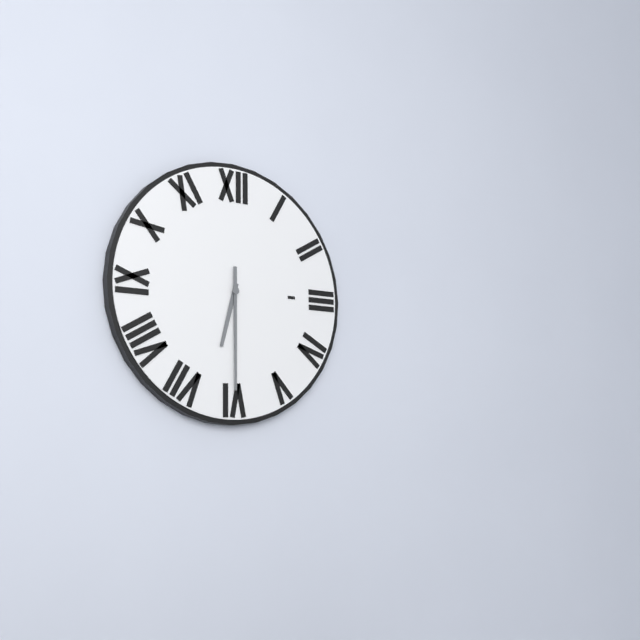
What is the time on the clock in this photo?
6:30
